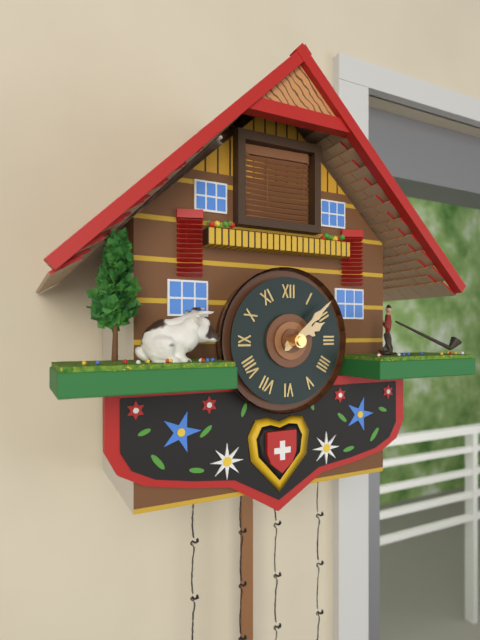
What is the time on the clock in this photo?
2:08
